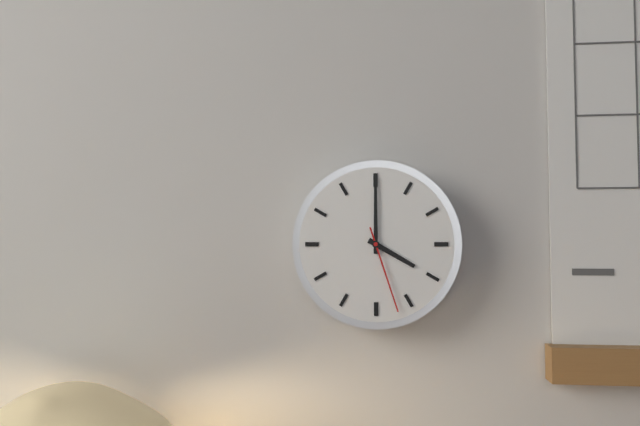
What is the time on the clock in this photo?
4:00:27
